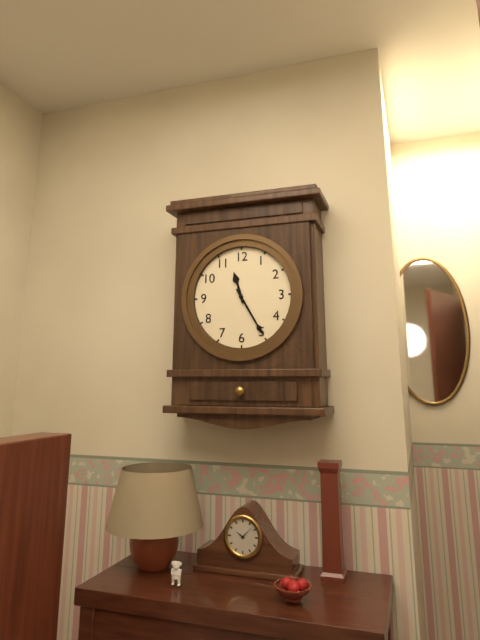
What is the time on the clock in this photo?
11:25
